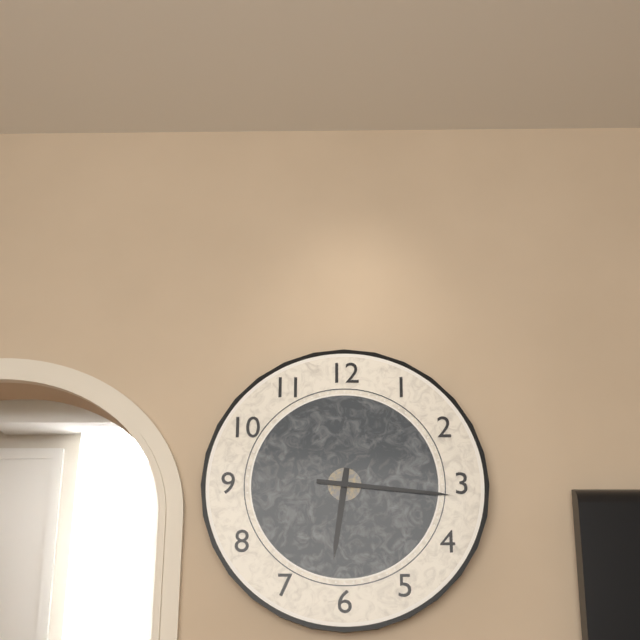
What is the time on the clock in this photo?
6:16
